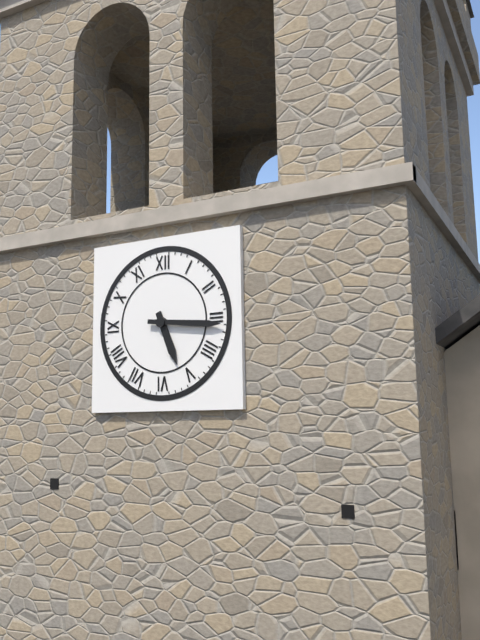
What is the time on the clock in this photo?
5:16
